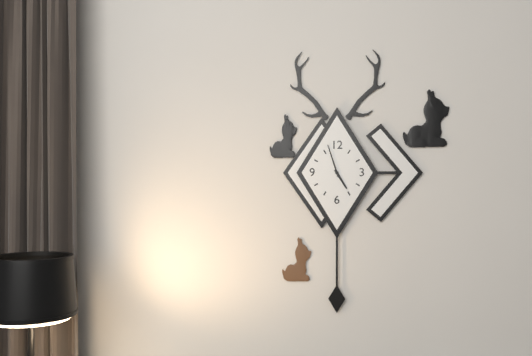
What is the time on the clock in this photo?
4:57
